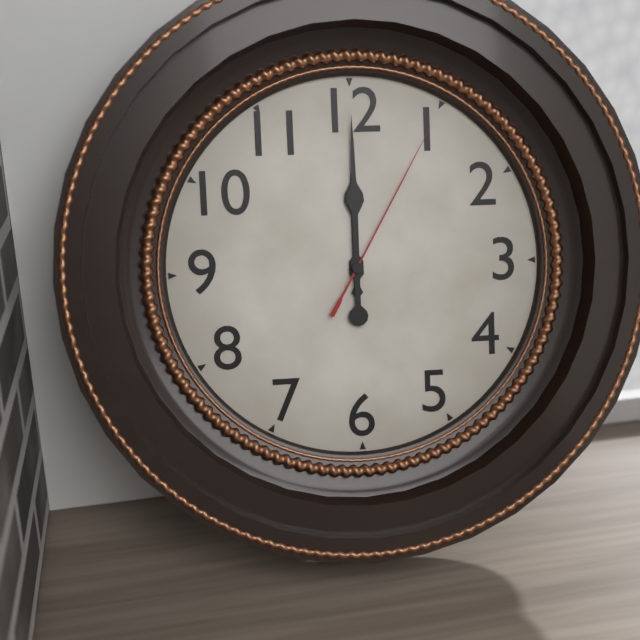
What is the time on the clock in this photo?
12:00:05
